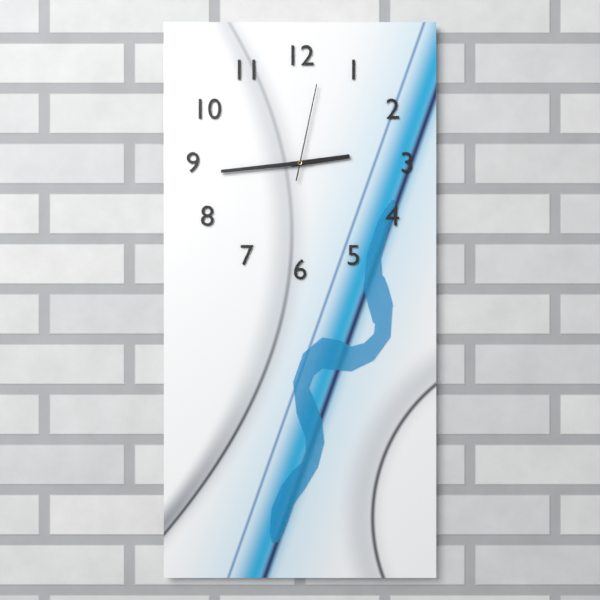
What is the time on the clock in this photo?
2:44:02
